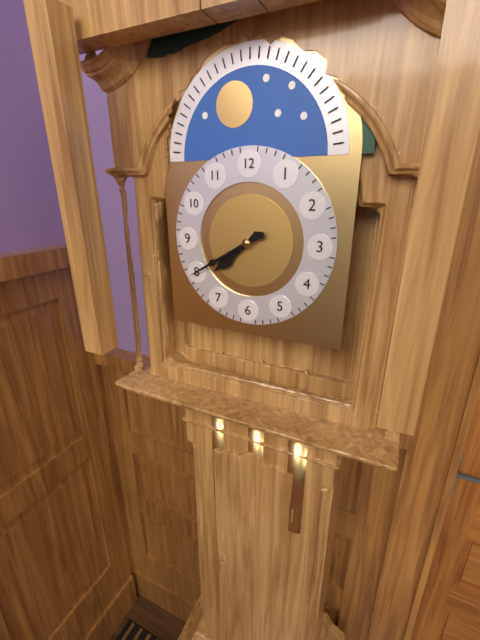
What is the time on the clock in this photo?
7:40
